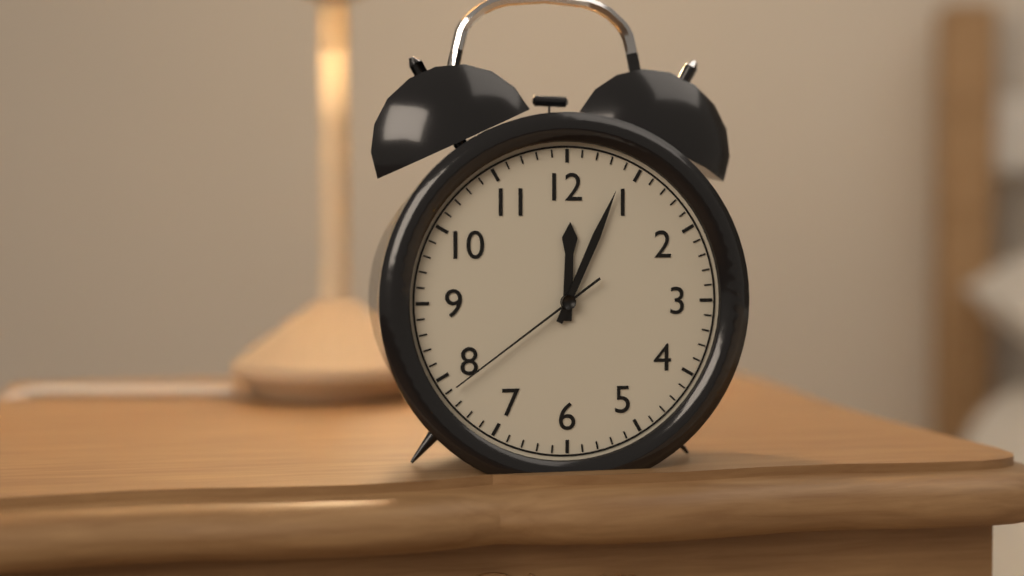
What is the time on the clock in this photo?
12:04:39
